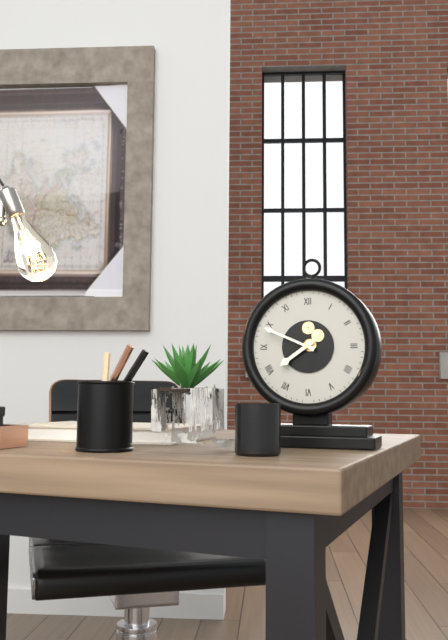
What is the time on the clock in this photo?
7:49
